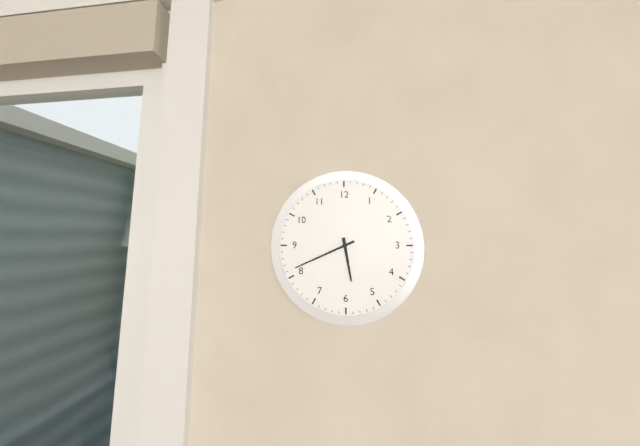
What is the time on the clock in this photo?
5:41
